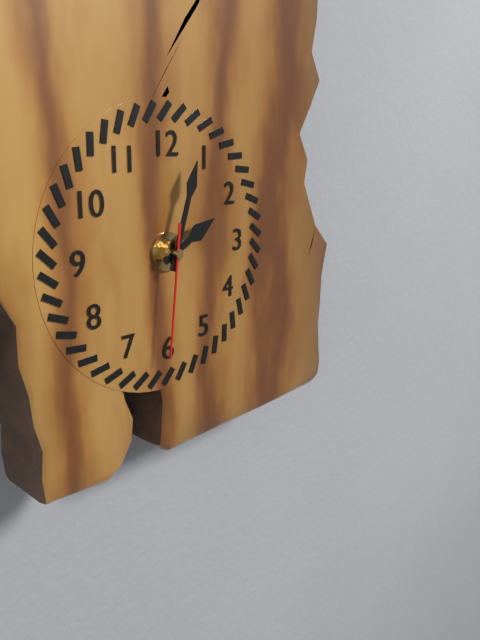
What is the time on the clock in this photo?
2:03:31
